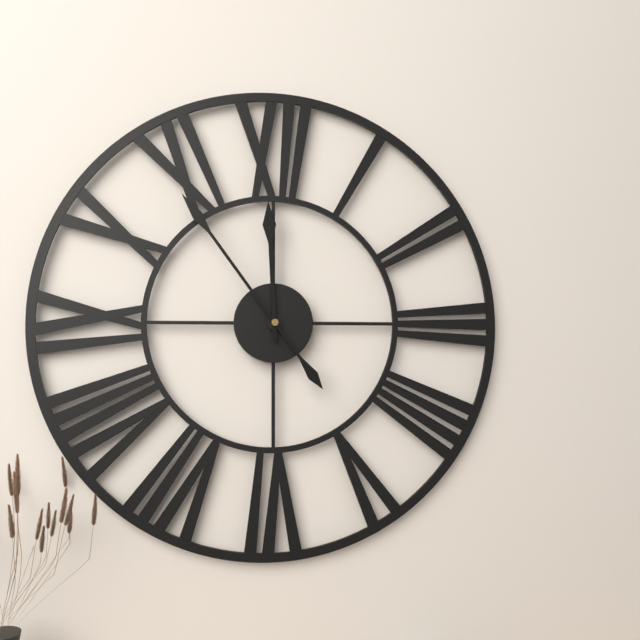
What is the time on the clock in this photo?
11:54
